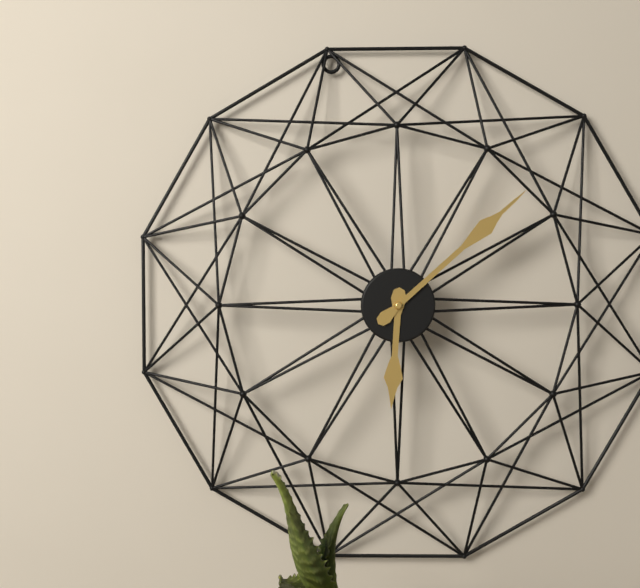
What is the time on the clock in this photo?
6:08
